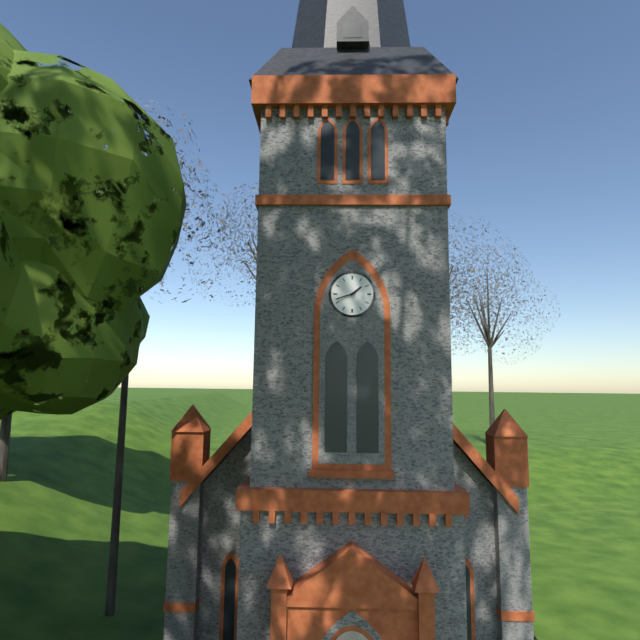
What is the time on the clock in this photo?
1:42
